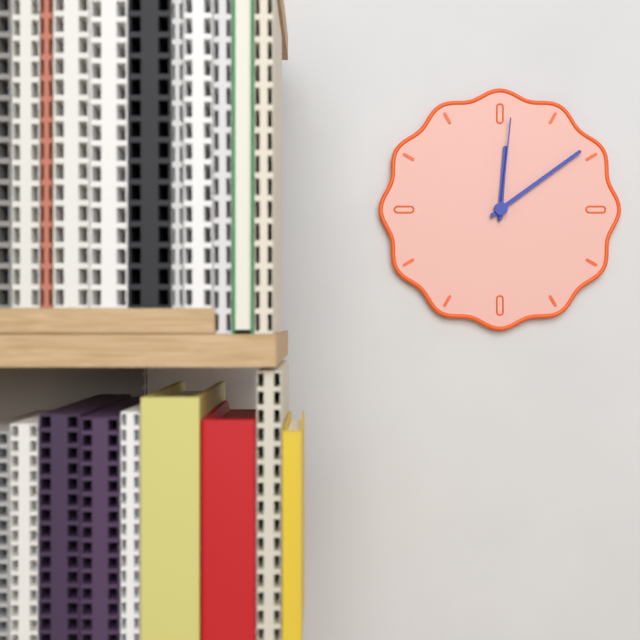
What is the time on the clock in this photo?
12:09:01
